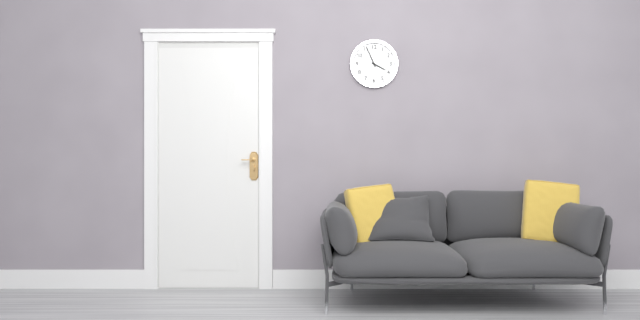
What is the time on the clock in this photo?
3:56
